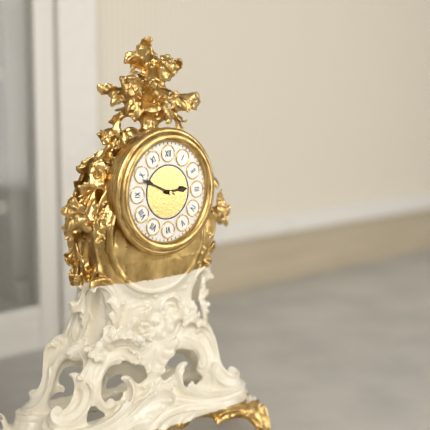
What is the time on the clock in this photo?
2:49
